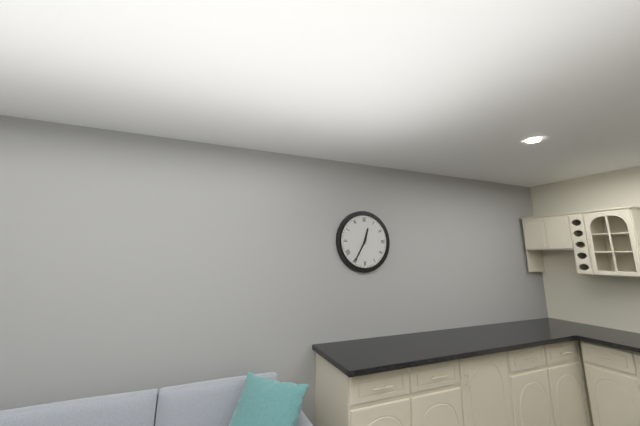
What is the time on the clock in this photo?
12:35
